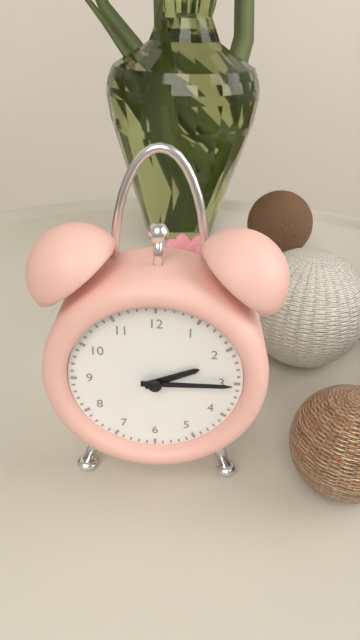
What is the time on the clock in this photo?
2:15
